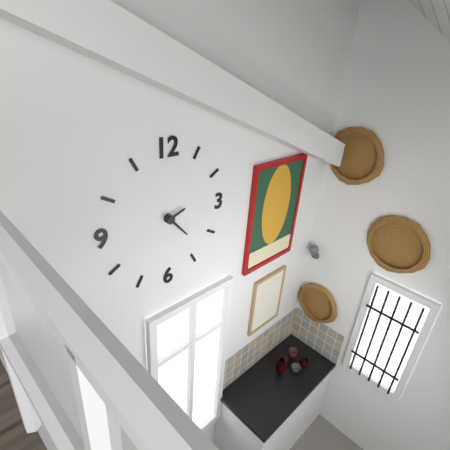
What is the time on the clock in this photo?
2:23
